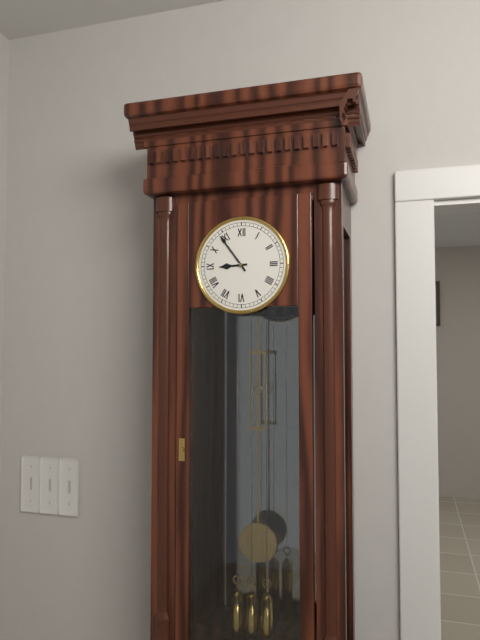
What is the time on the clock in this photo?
8:54
